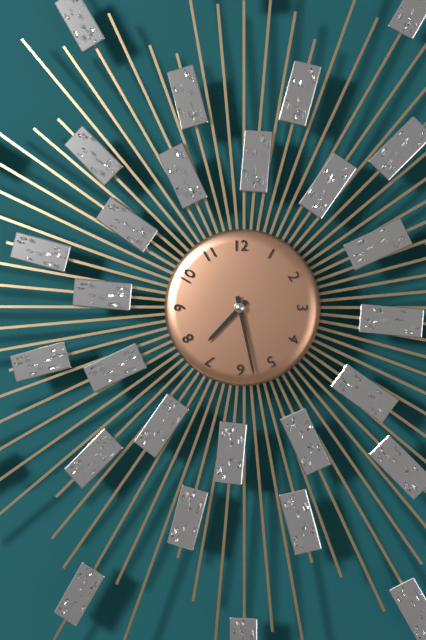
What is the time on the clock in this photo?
7:28
